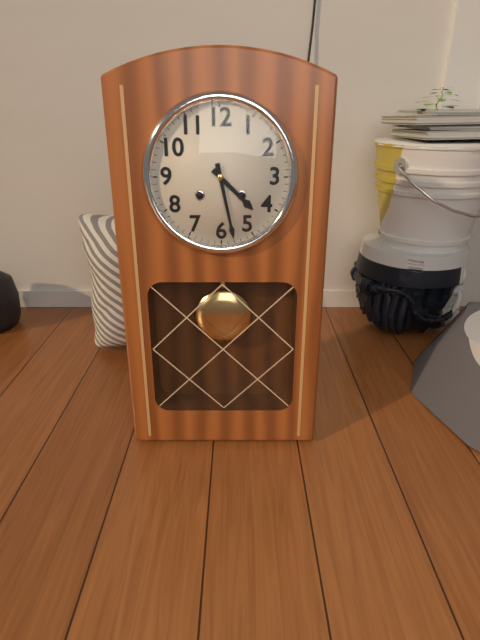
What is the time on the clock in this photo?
4:28
